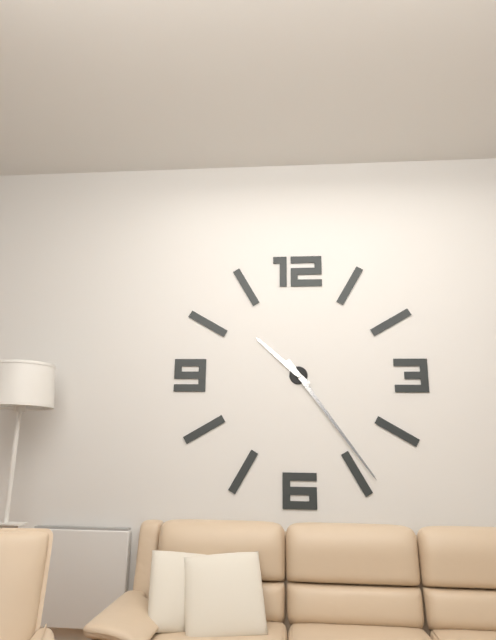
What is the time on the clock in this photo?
10:24
